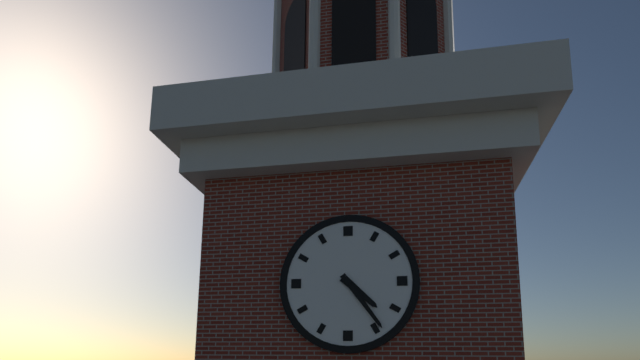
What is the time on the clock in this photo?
4:24
